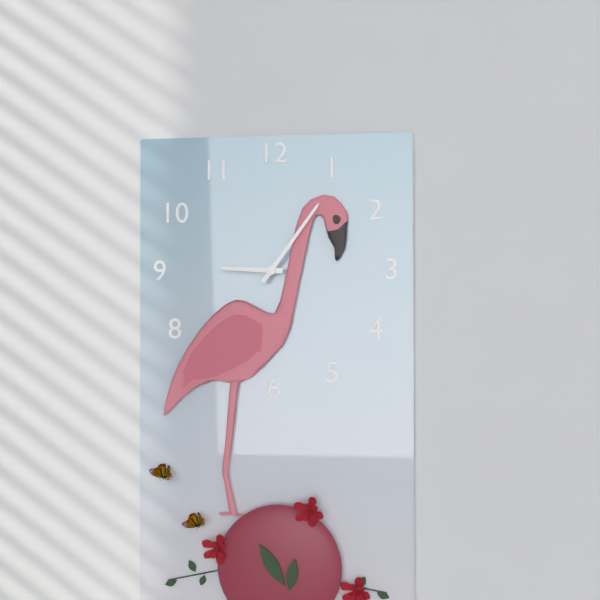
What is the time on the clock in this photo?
9:06
